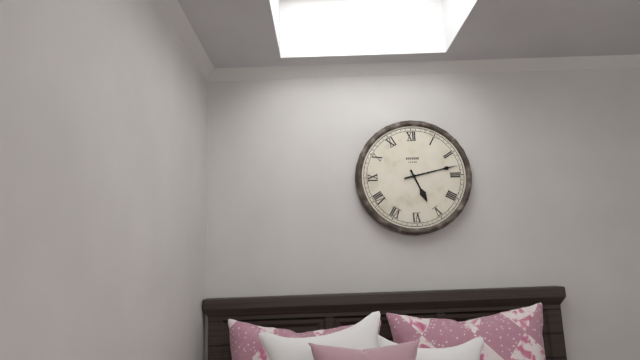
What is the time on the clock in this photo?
5:13
